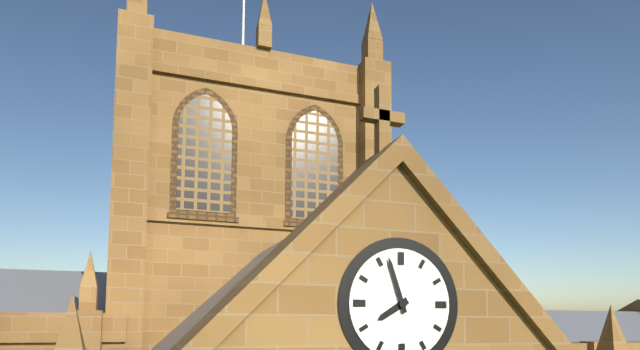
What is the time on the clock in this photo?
7:57
